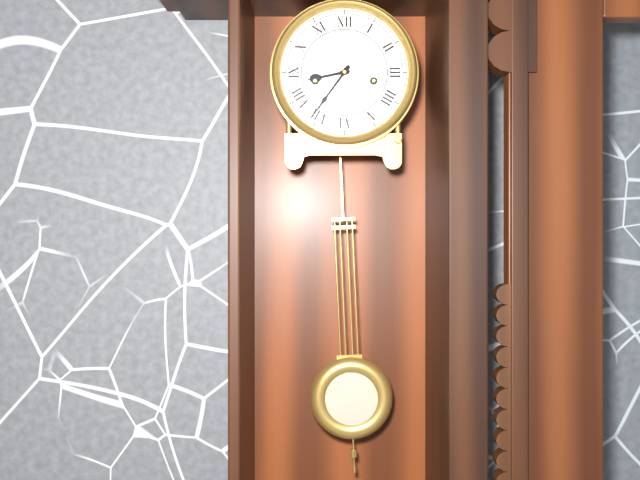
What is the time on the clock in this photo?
8:36
